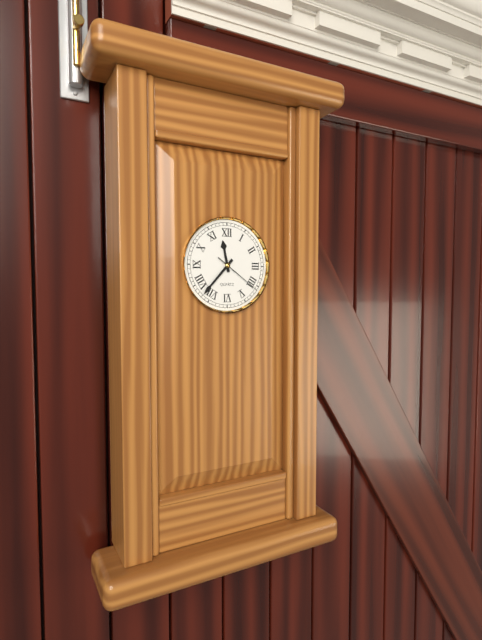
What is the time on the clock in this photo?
11:37
